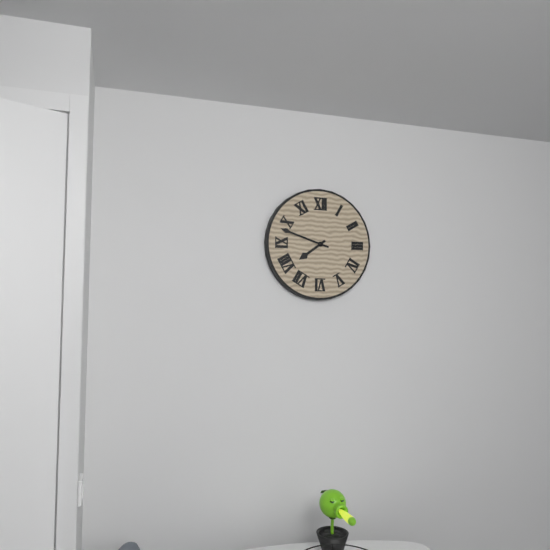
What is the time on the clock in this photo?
7:48
